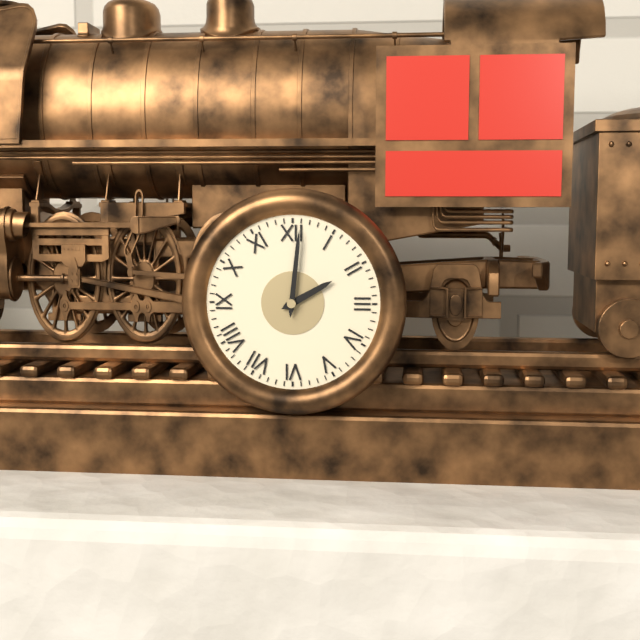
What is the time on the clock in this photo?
2:01
